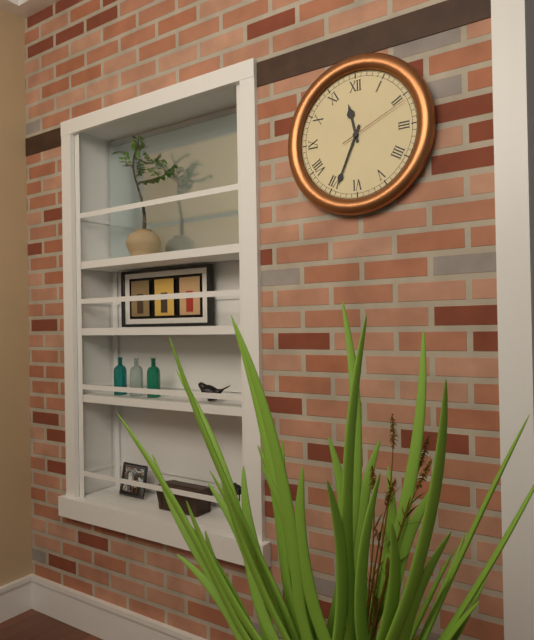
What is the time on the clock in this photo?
11:34:11
